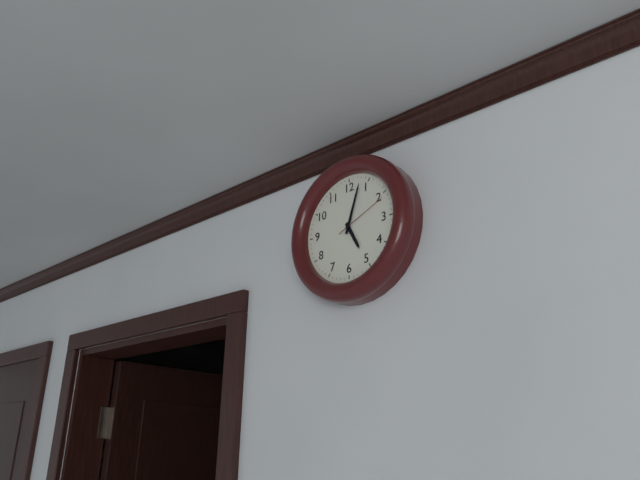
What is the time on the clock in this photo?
5:03:11
